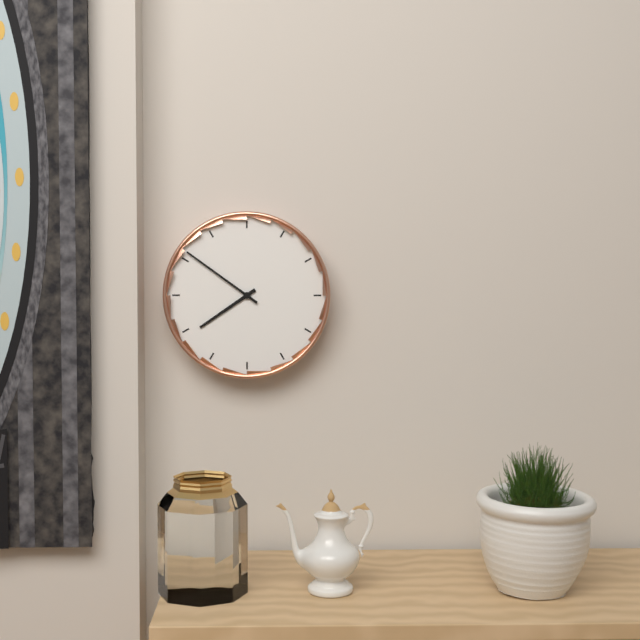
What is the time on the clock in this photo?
7:51
